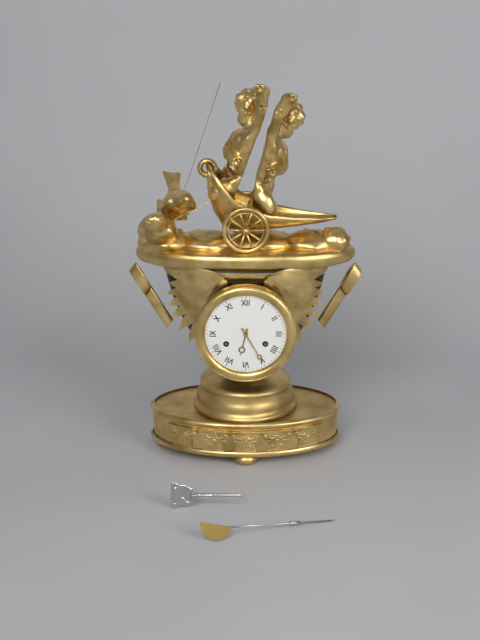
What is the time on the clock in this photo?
6:25
